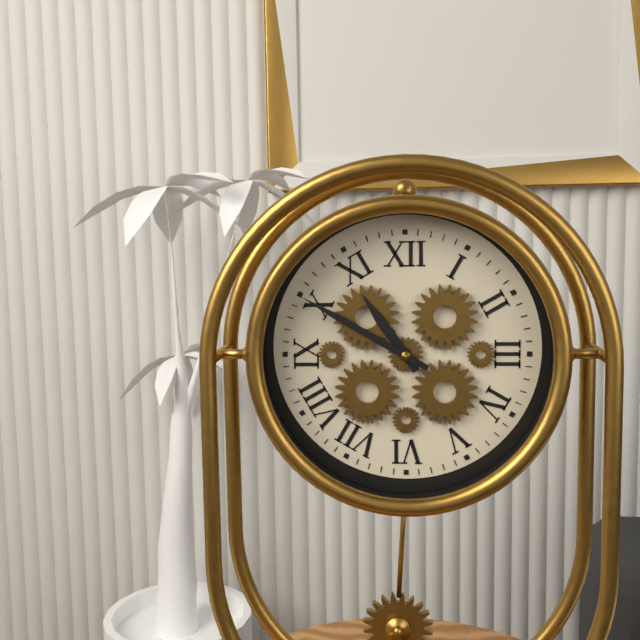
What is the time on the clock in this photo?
10:50
